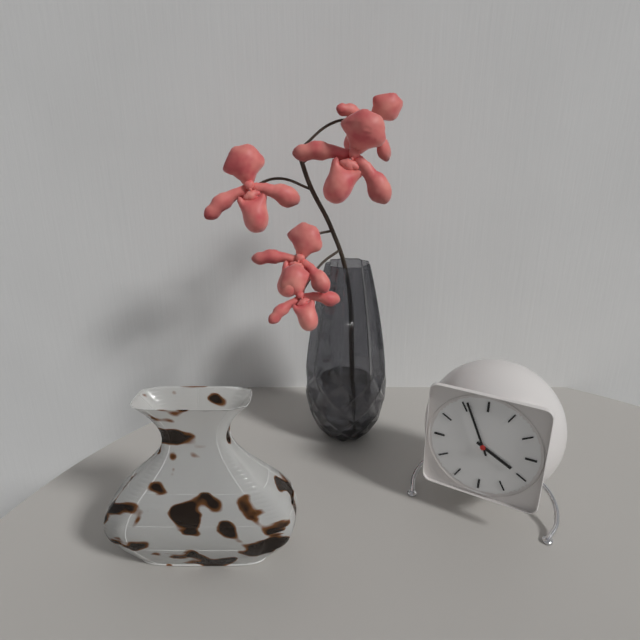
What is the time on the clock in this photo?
3:56
